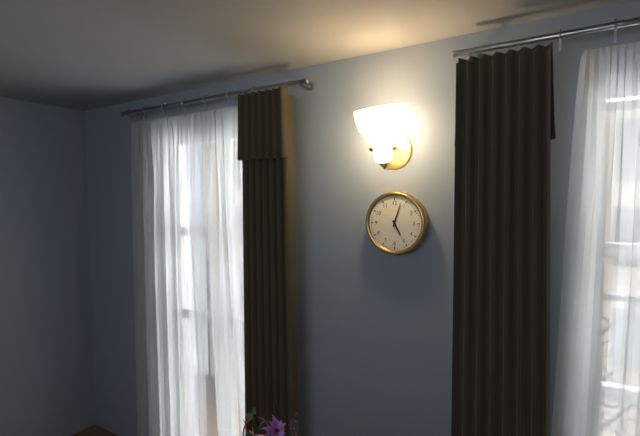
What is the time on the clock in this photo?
5:03
